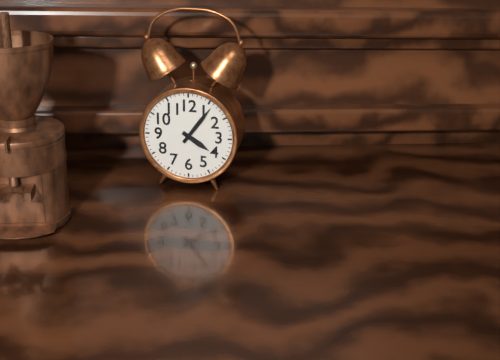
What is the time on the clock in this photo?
4:06
